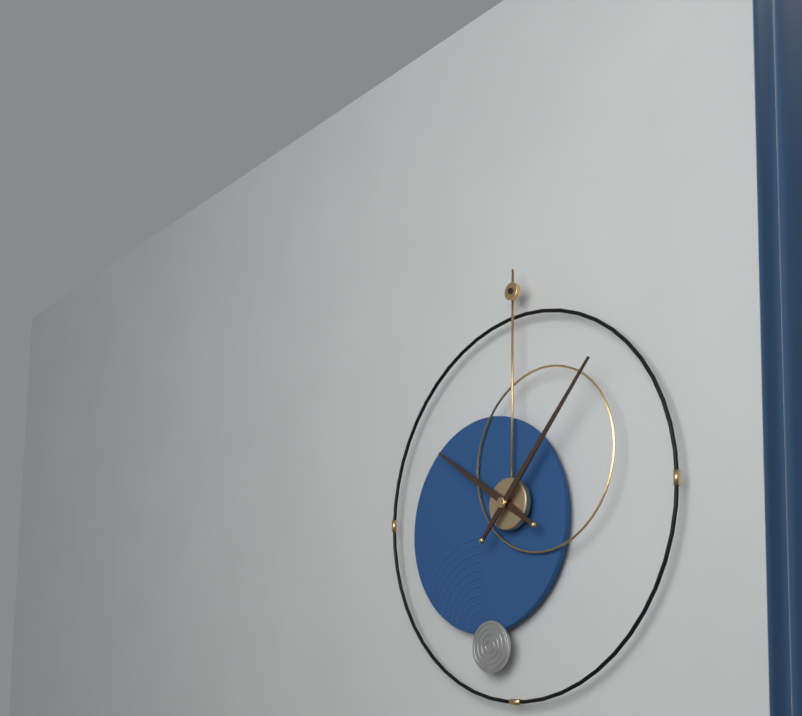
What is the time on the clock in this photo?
10:07
